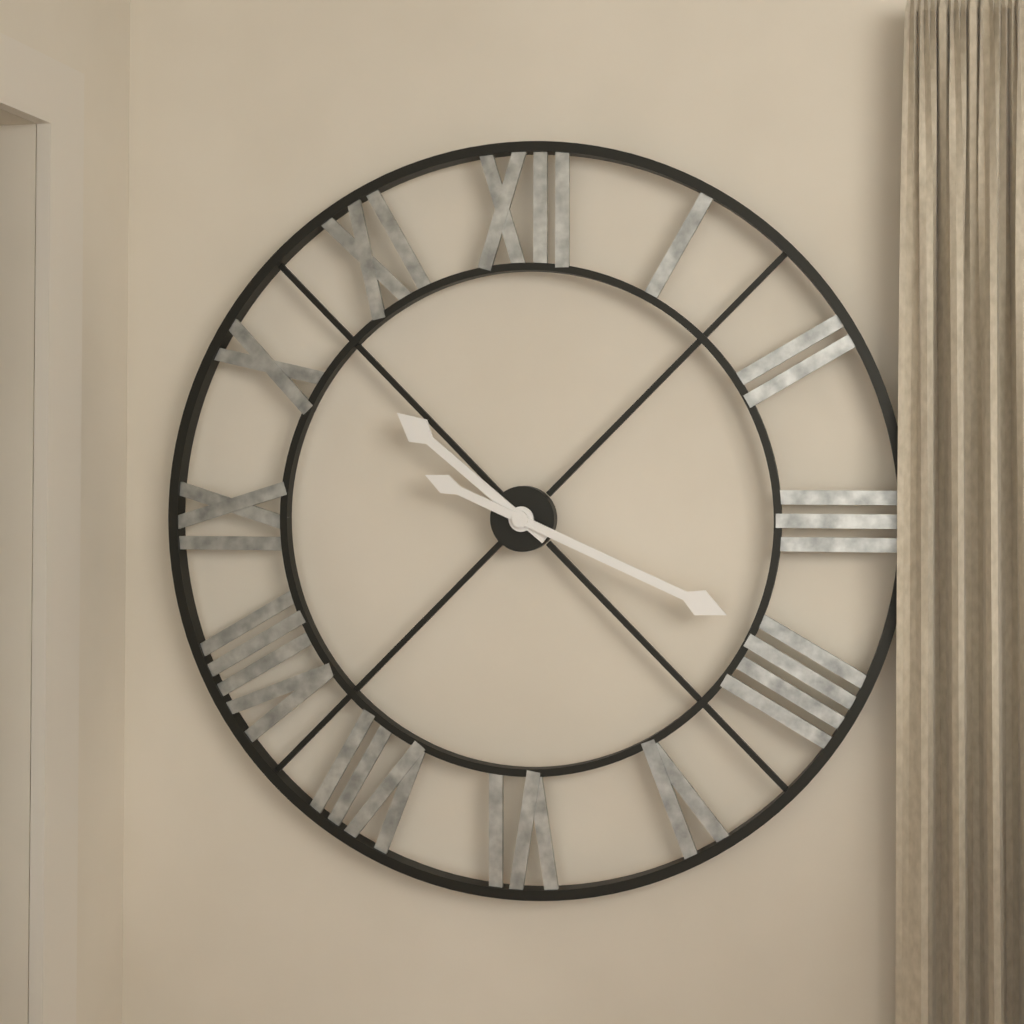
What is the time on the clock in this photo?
10:19
